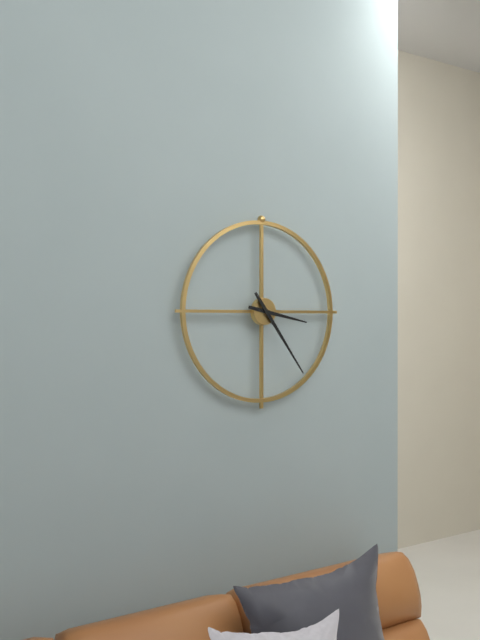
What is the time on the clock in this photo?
3:24
